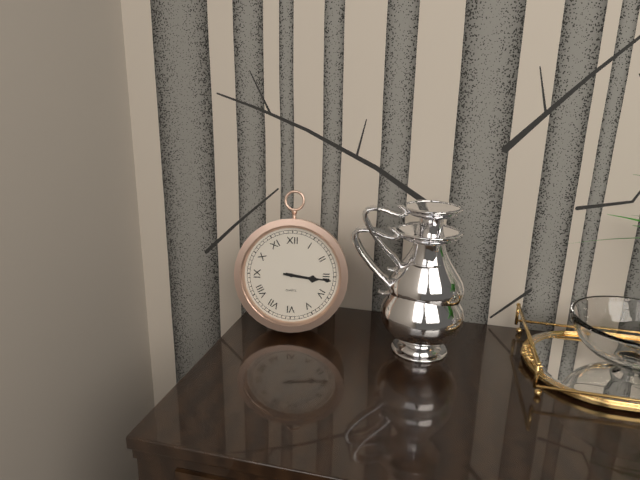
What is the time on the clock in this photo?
3:16
